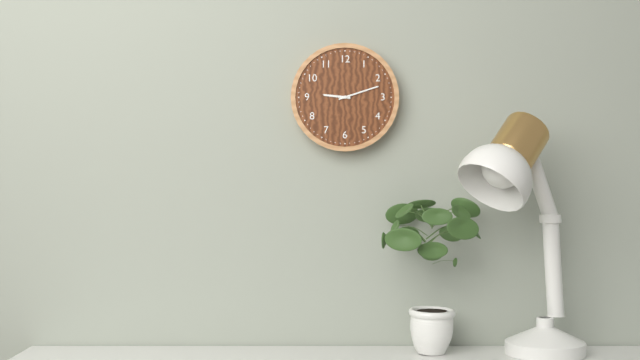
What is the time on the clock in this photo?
9:12
